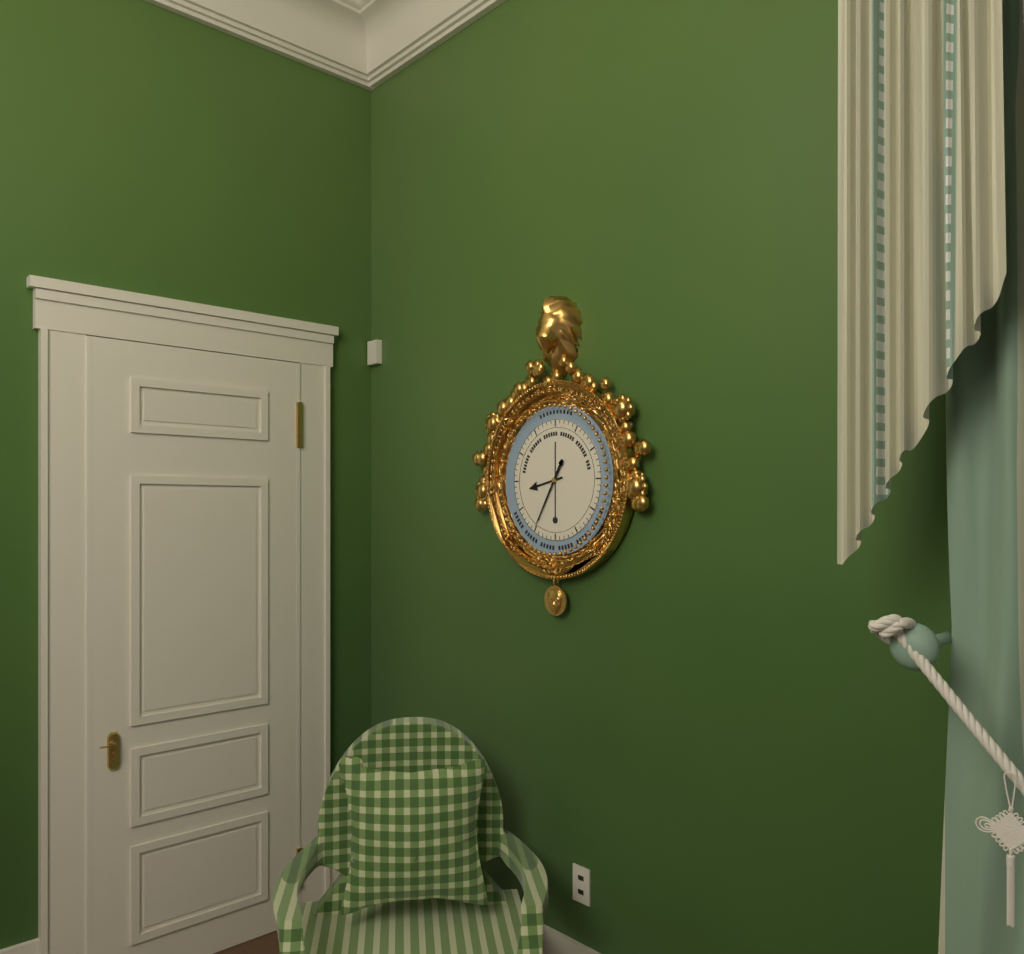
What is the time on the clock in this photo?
8:35
